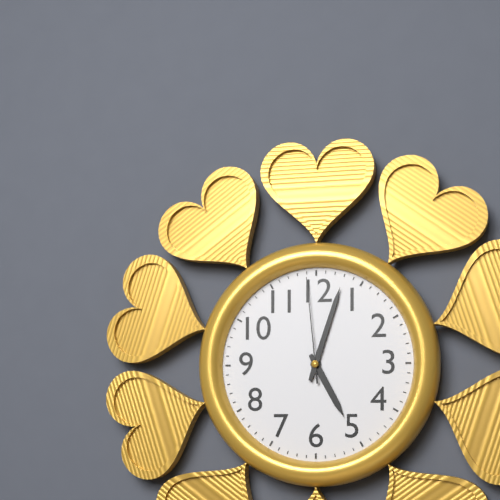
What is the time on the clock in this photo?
5:03:59
